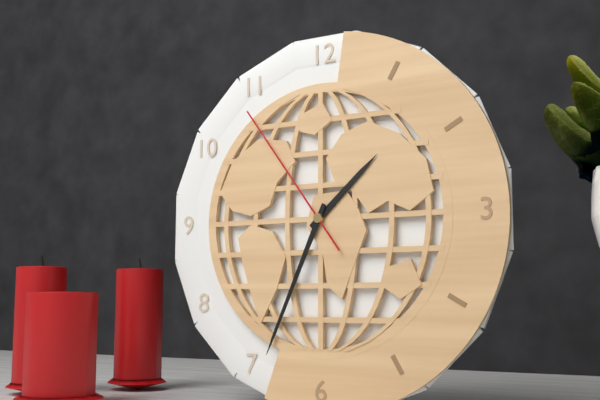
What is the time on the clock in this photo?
1:34:54
